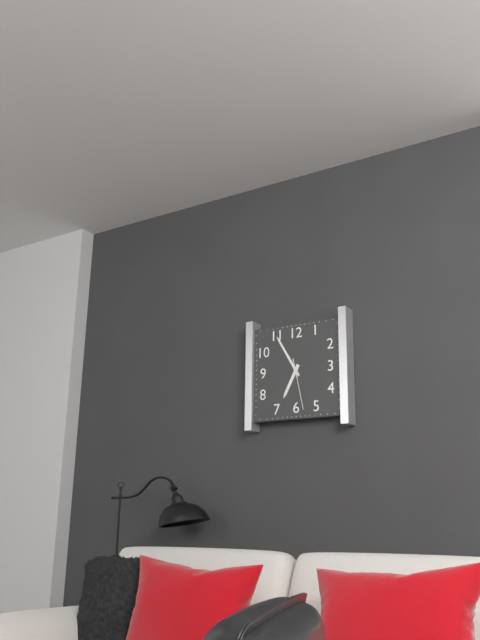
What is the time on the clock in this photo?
6:55:28
